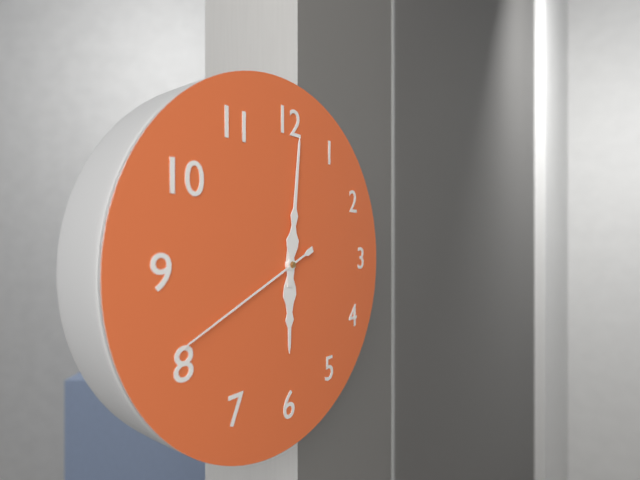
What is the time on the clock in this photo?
6:01:41
